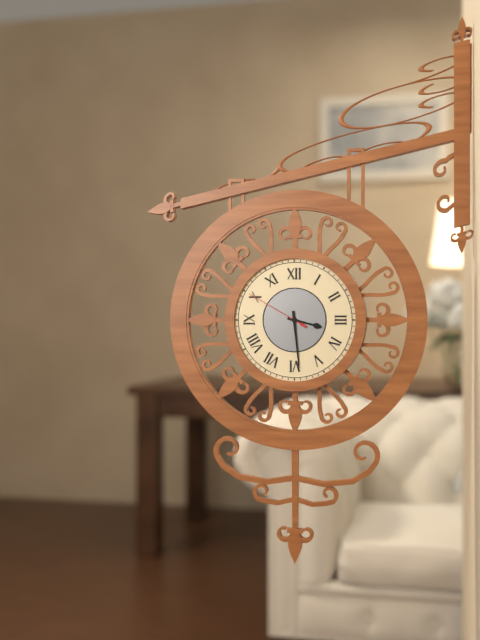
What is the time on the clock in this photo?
3:29:50
